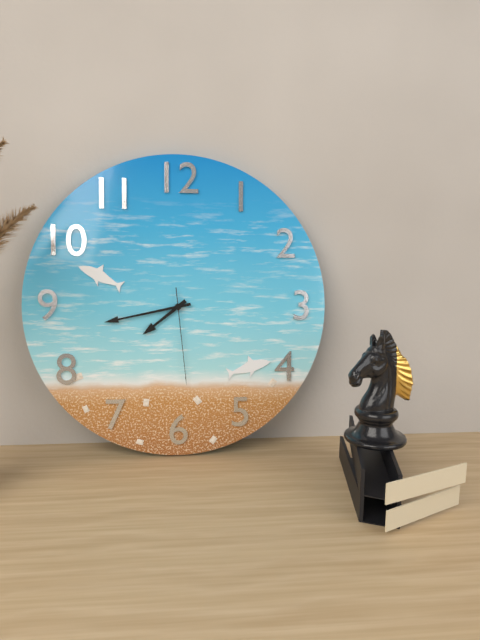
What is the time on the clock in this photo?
7:43:29
